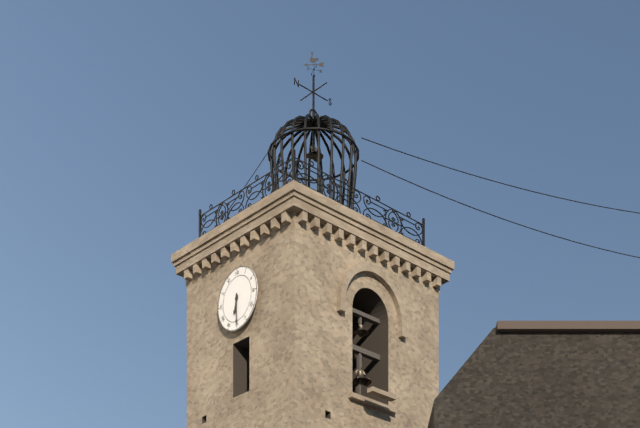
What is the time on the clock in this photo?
6:30
